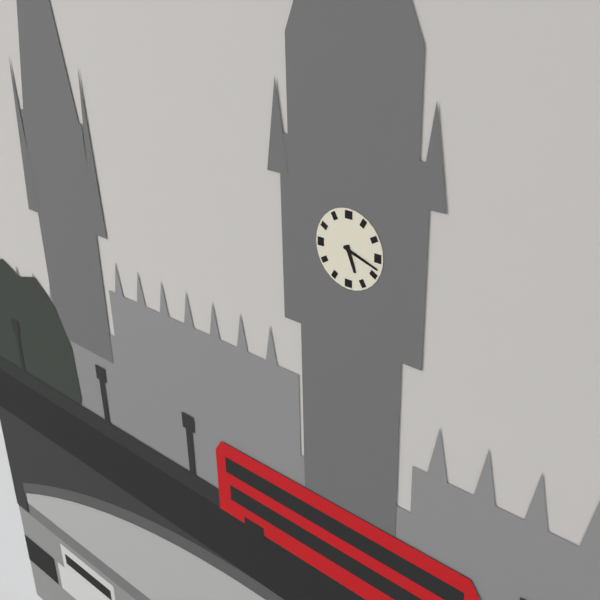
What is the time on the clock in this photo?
5:18
